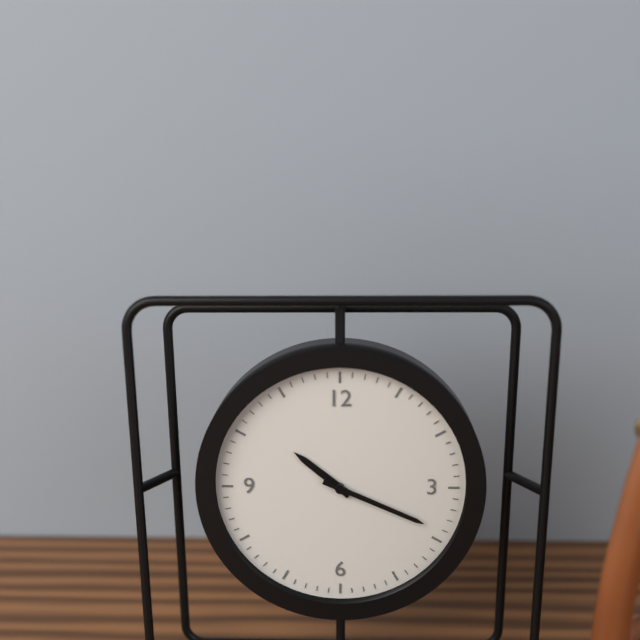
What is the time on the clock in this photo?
10:19
